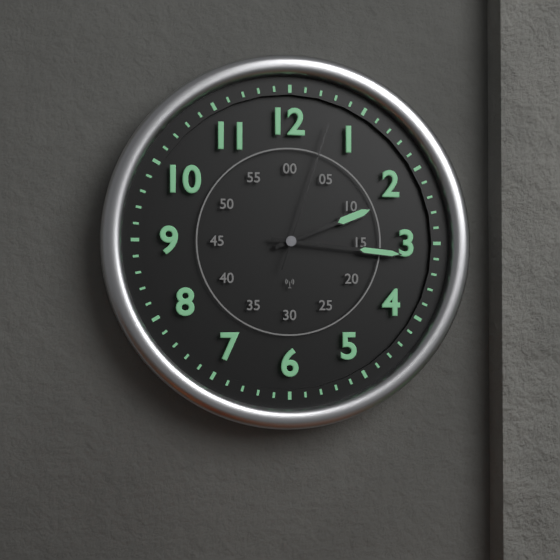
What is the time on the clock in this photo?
2:16:03
